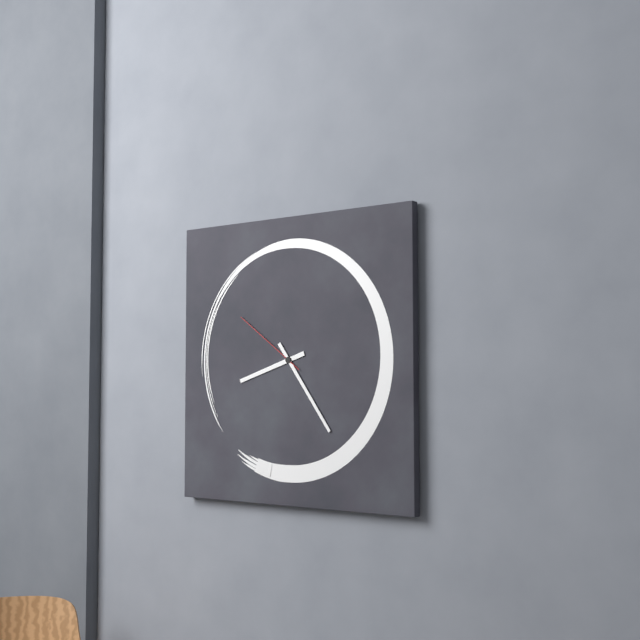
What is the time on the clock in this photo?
8:24:51
